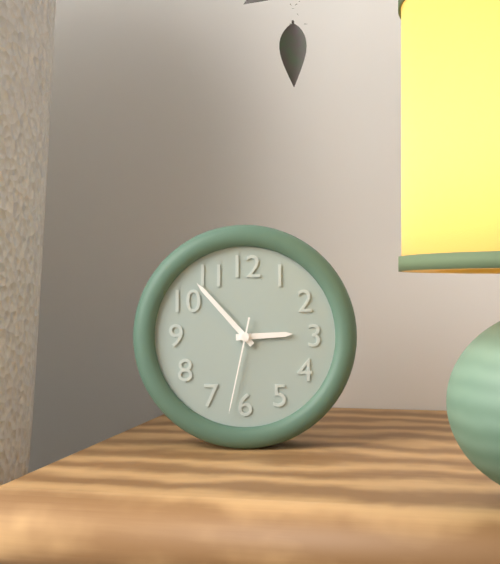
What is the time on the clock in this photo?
2:53:32
